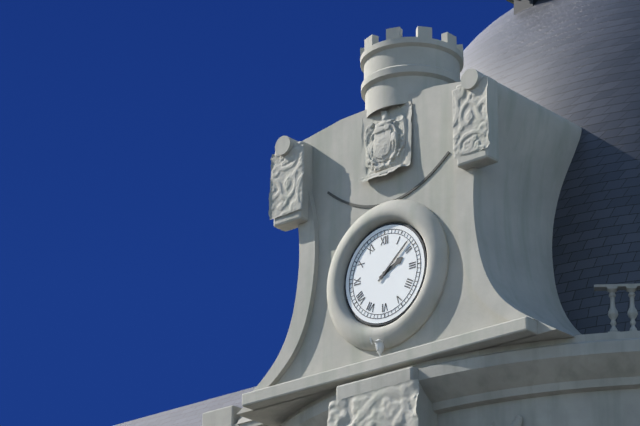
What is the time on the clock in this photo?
2:08
